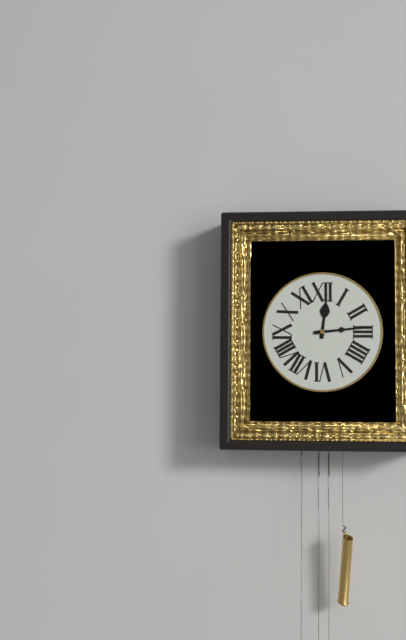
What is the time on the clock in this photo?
12:14
